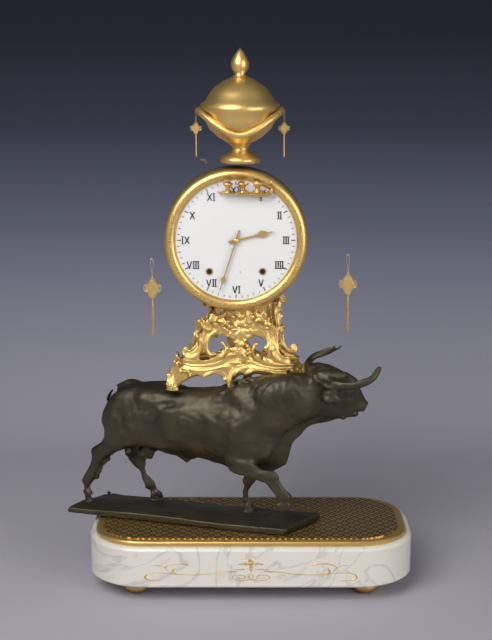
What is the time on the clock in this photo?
2:33
